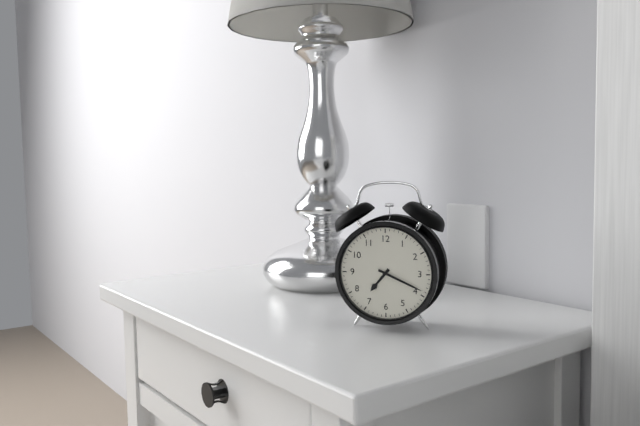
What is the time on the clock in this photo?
7:19
